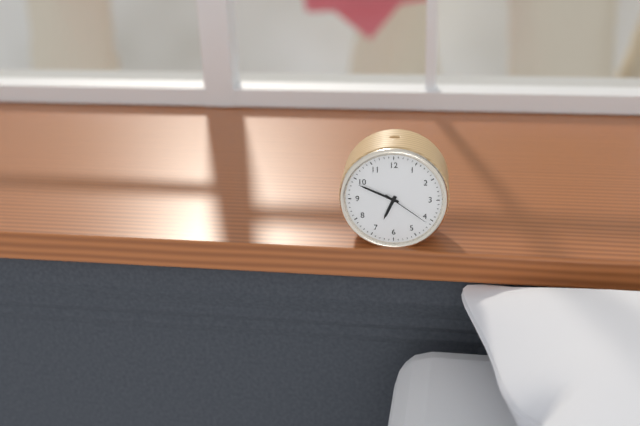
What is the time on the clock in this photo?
6:49:21
